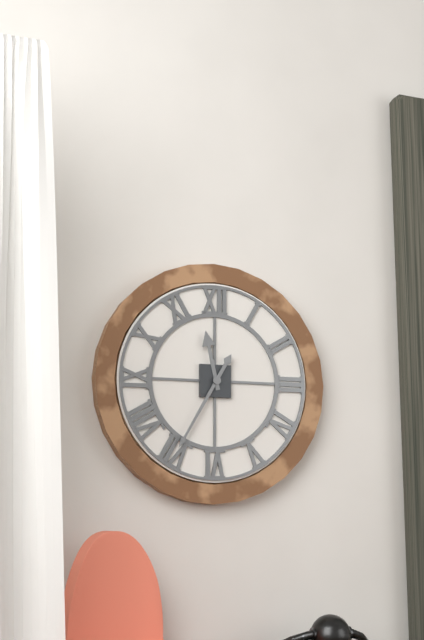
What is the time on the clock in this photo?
11:35
